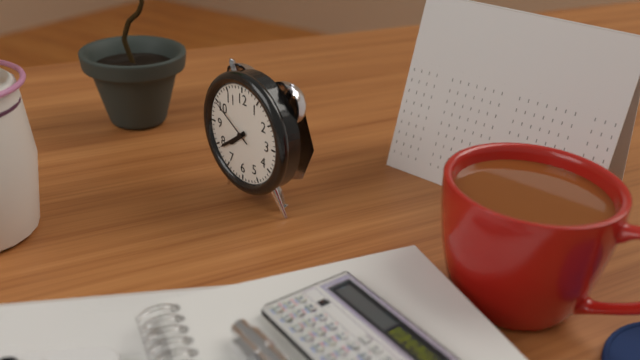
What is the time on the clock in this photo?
7:39:50
